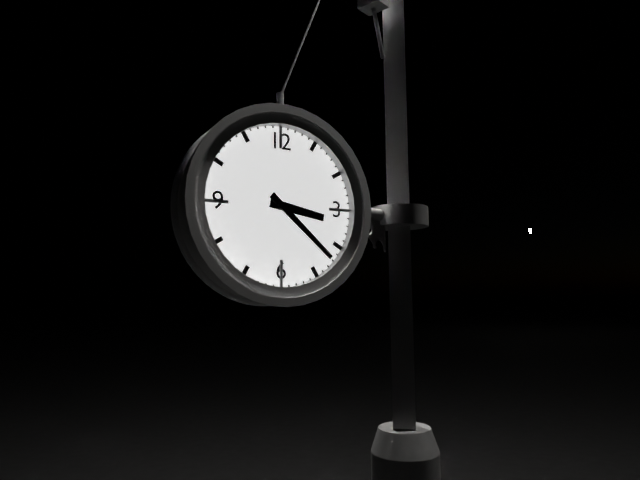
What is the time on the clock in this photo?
3:22
